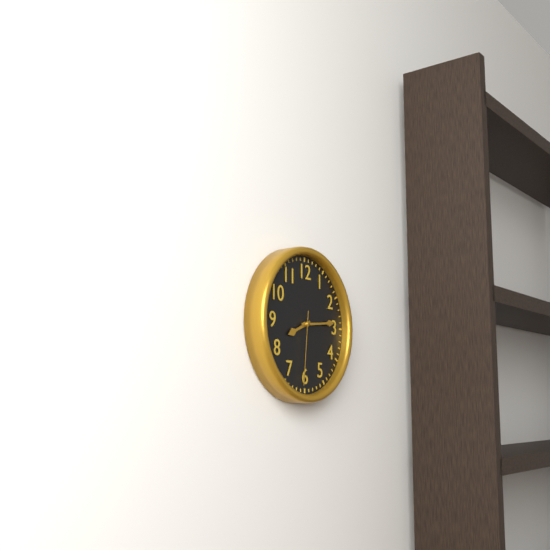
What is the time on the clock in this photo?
8:14:31
